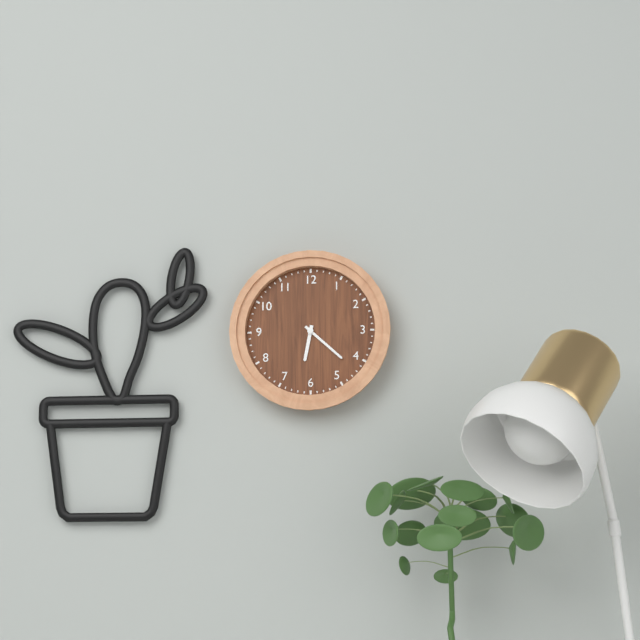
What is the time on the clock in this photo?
6:22
